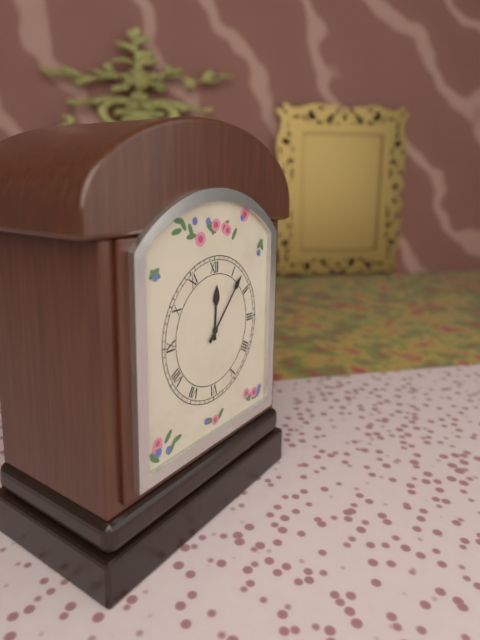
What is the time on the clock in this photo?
12:07
